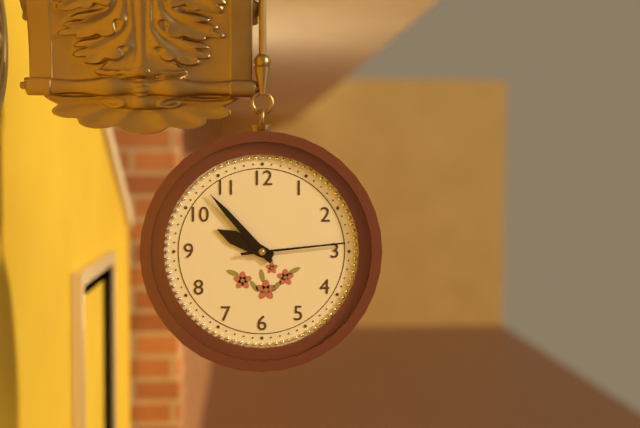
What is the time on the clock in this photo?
9:53:14
